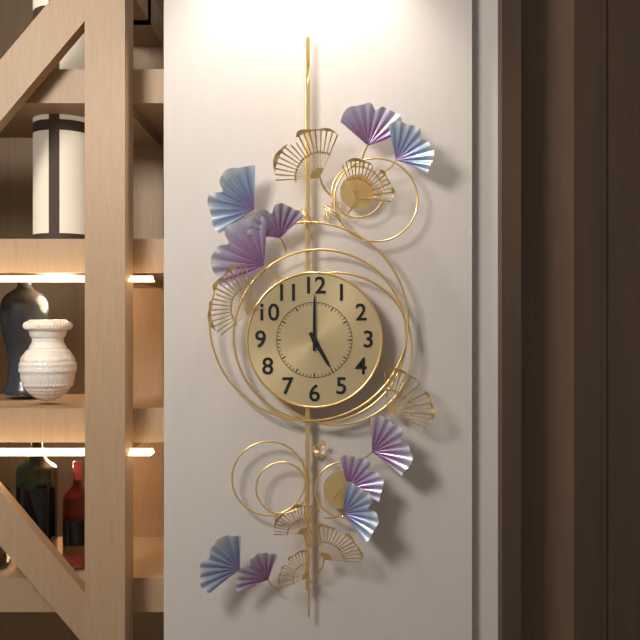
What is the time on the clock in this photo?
5:00
